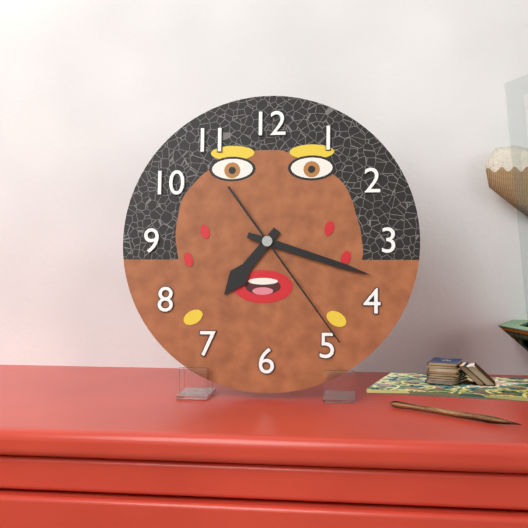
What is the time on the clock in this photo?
7:18:24
